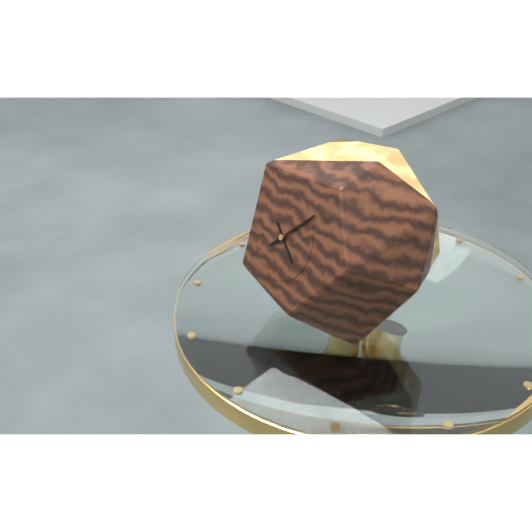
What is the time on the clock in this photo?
4:07
